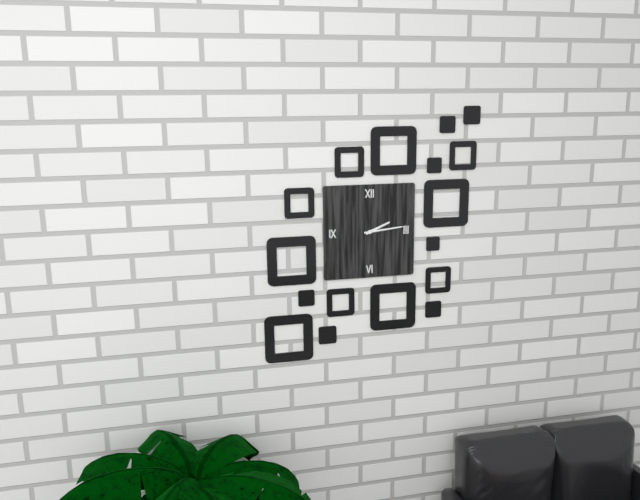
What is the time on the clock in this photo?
2:14
